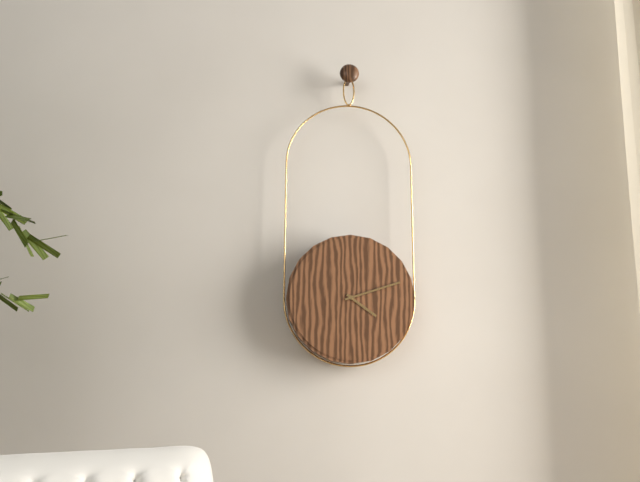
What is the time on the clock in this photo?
4:12
